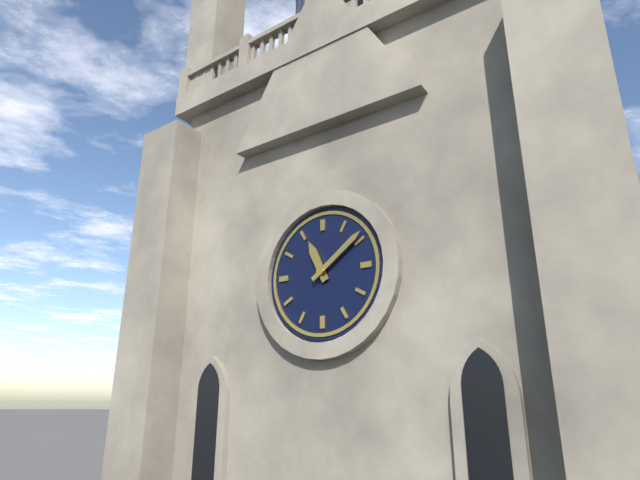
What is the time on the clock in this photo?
11:09
